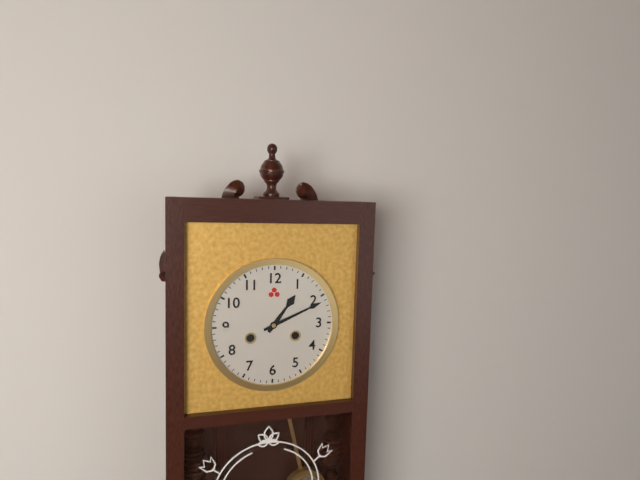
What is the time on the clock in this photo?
1:11
